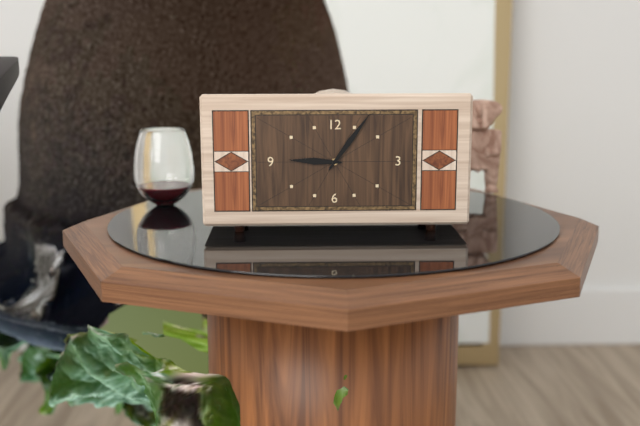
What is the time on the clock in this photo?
9:06
